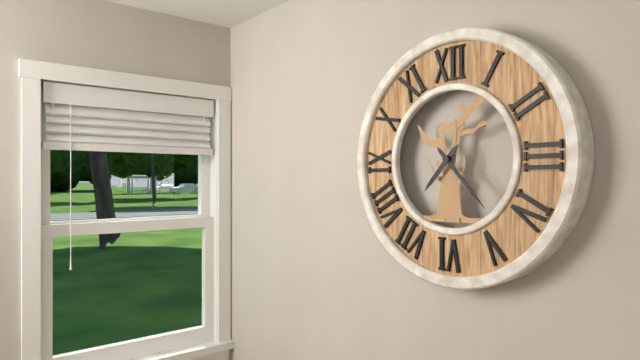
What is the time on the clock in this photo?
7:23
